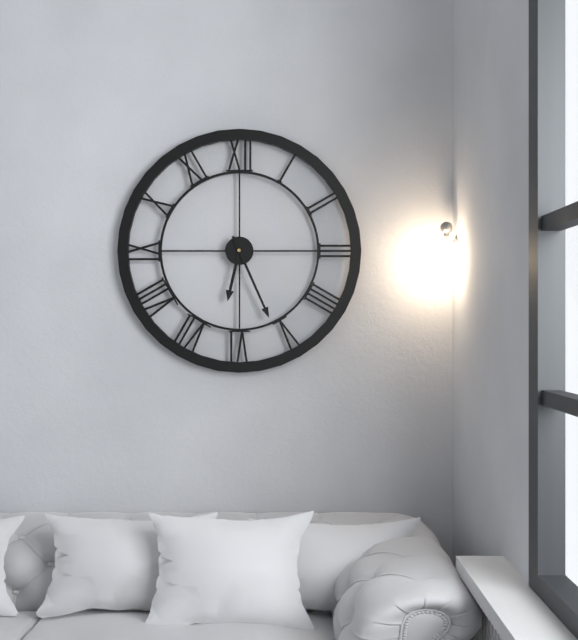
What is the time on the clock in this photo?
6:26
